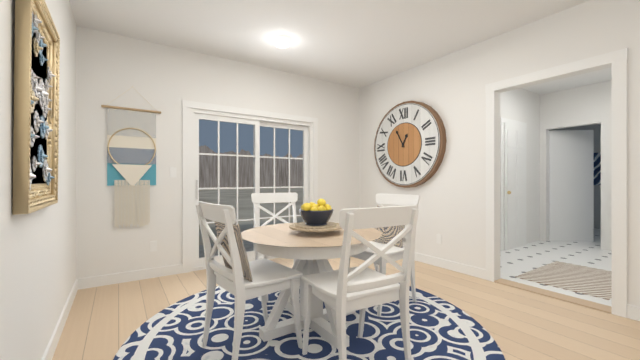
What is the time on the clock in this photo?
12:55
